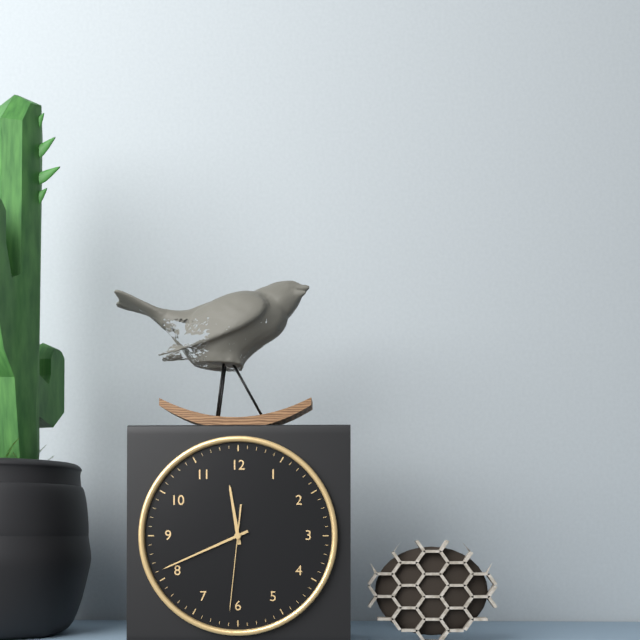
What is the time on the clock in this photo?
11:41:31
